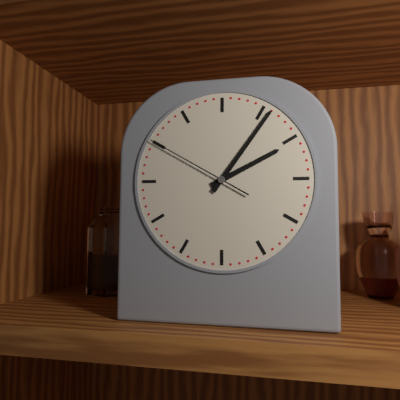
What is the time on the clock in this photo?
2:06:50
